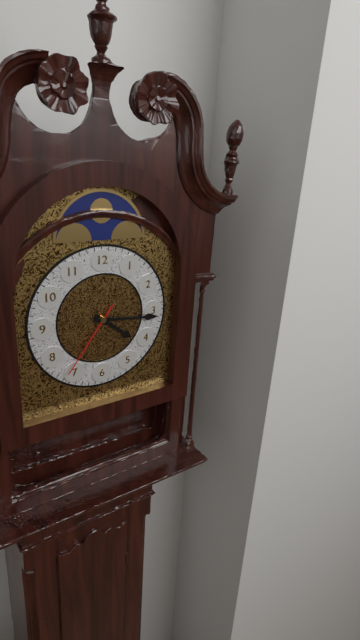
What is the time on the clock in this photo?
4:16:36
